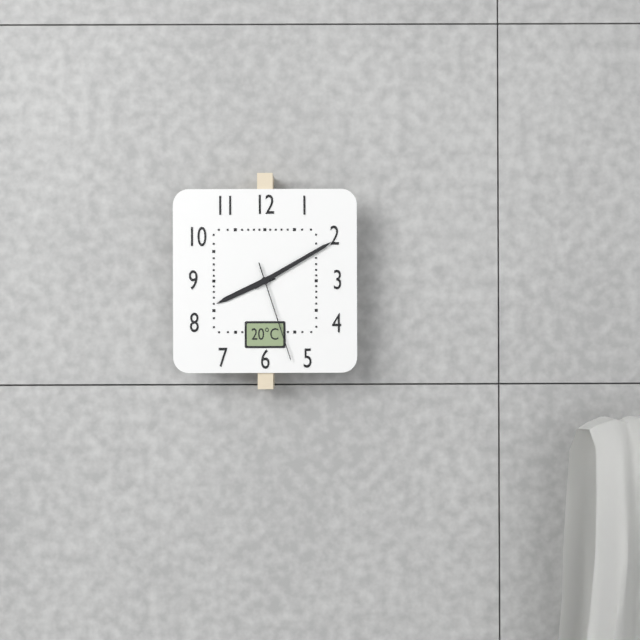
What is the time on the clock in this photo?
8:10:27
